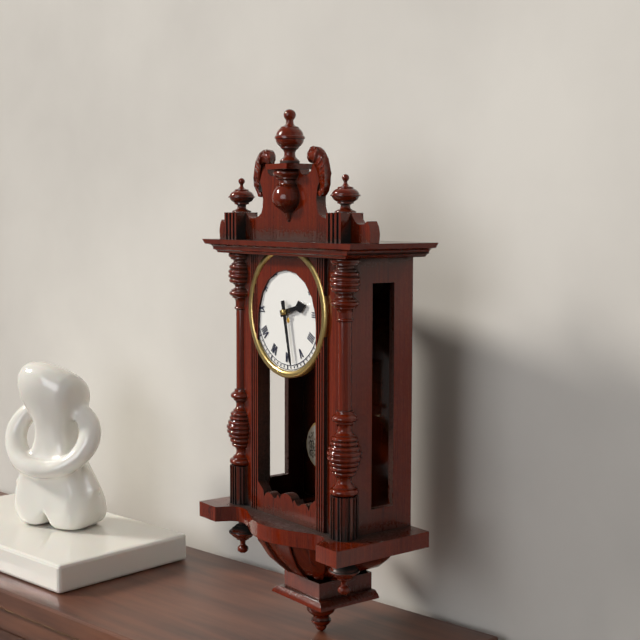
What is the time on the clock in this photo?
2:28
